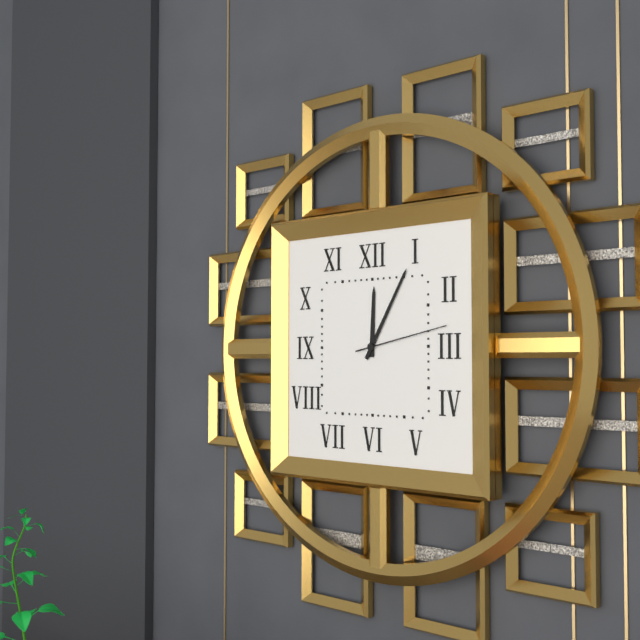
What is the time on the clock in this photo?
12:05:13
